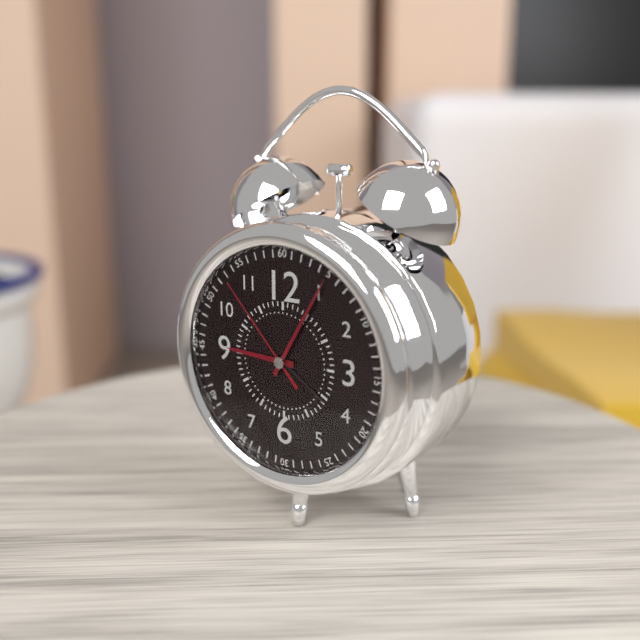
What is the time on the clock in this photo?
9:05:53
